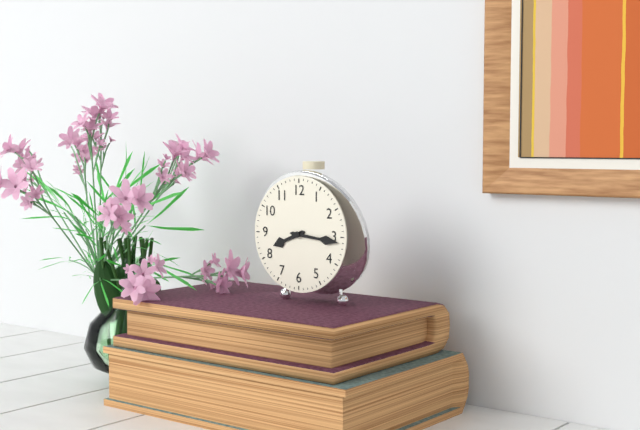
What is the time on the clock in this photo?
8:16
